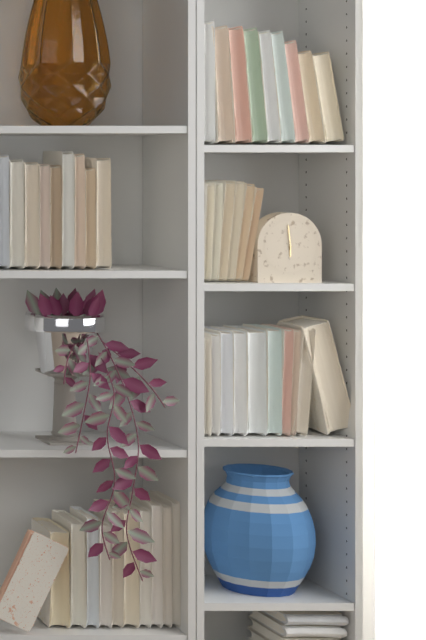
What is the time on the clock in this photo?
5:59
